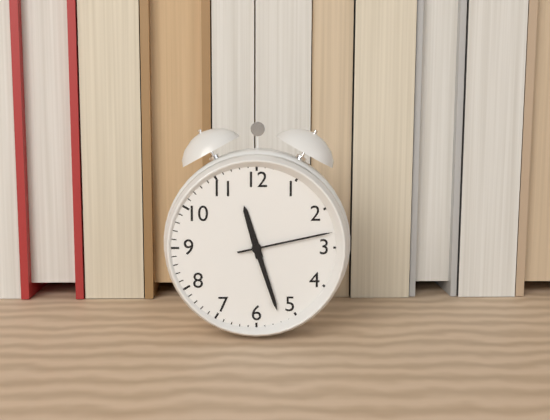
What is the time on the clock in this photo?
11:27:13
